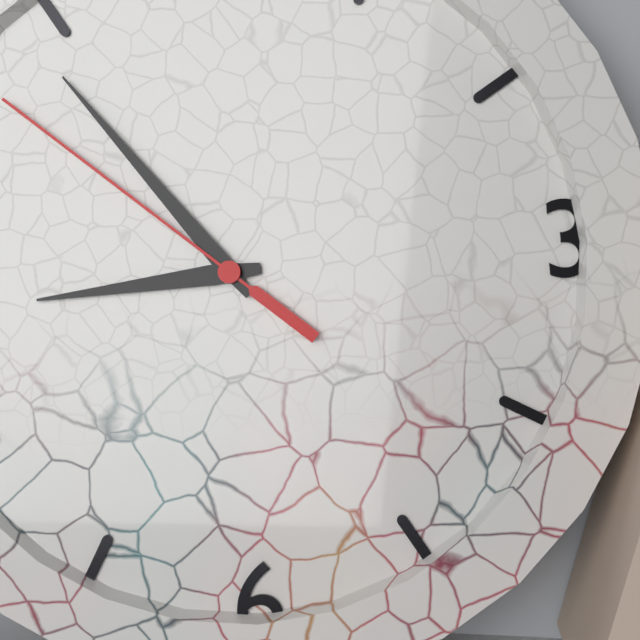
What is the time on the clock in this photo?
8:54:52
